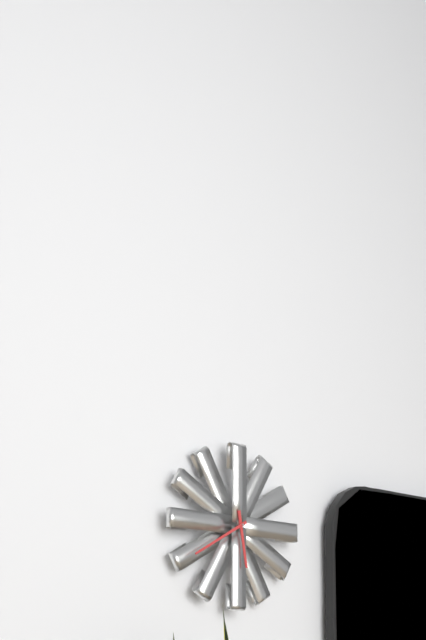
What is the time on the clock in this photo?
5:40
